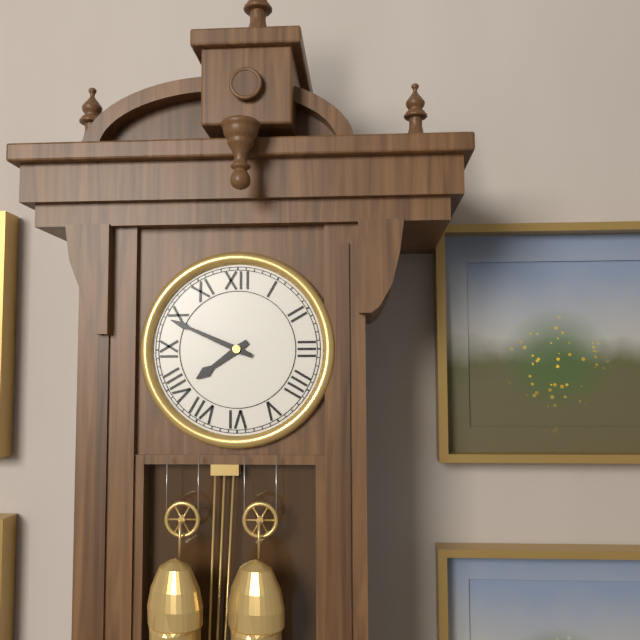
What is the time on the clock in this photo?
7:49
